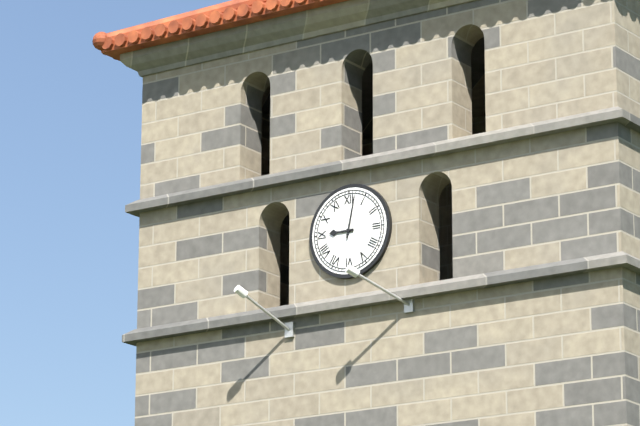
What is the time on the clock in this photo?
9:02
